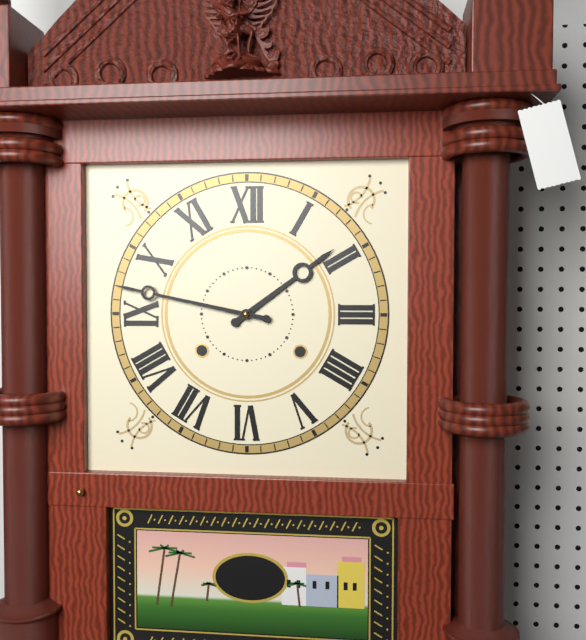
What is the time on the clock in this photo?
1:47
